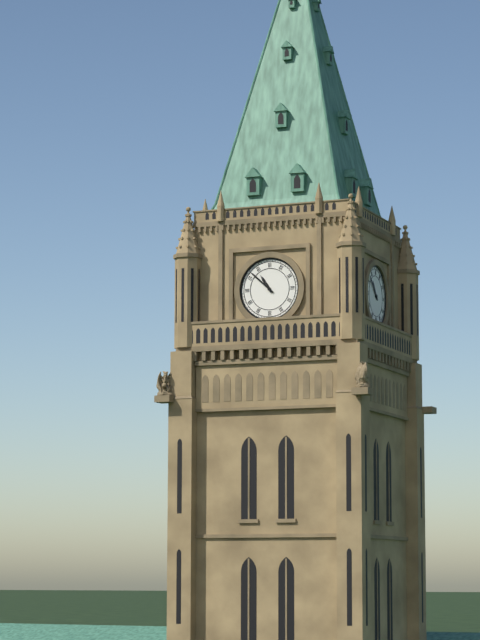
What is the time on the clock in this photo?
10:52
